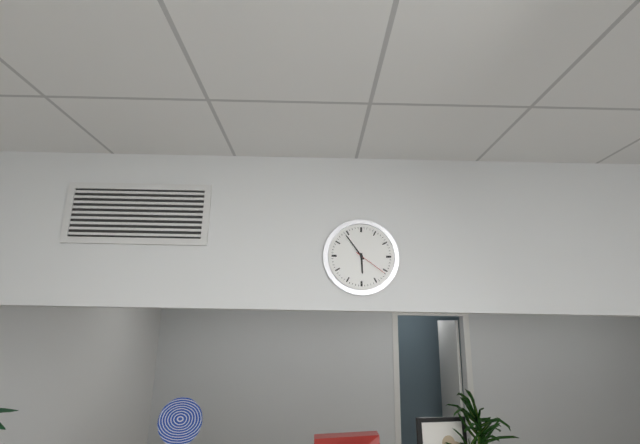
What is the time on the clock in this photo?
5:54
